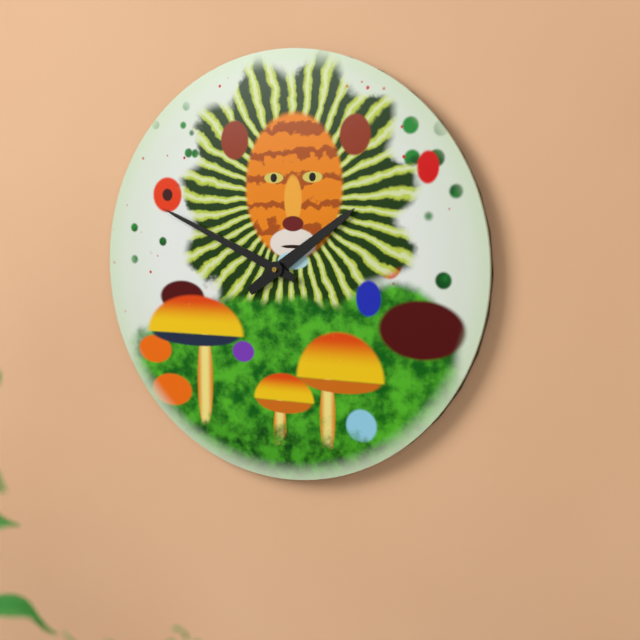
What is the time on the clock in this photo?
1:49
